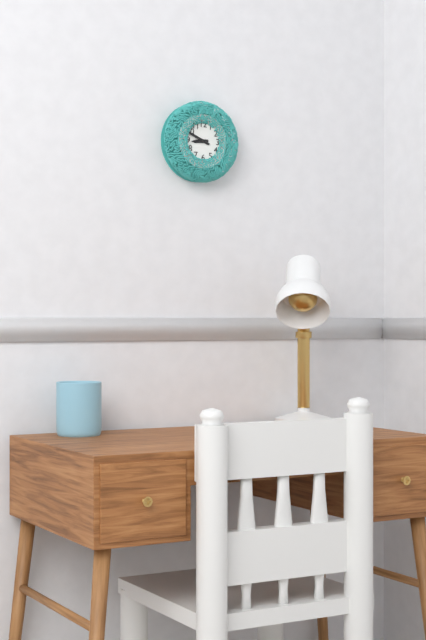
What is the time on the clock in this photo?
8:49
